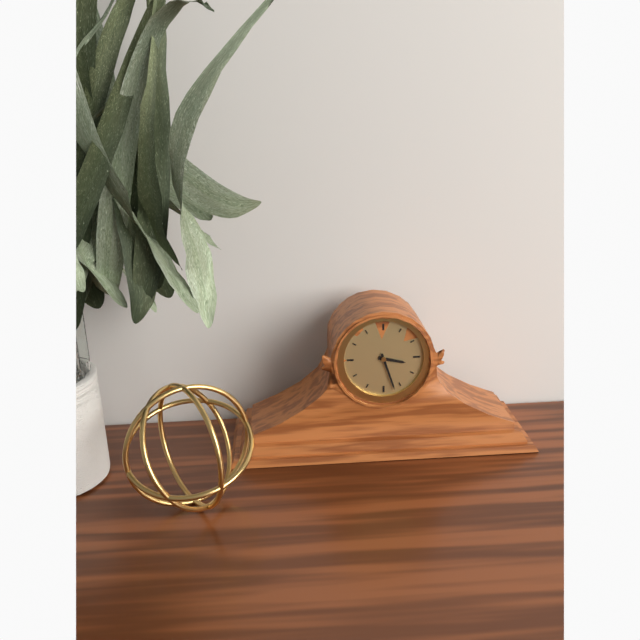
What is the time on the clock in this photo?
3:27
